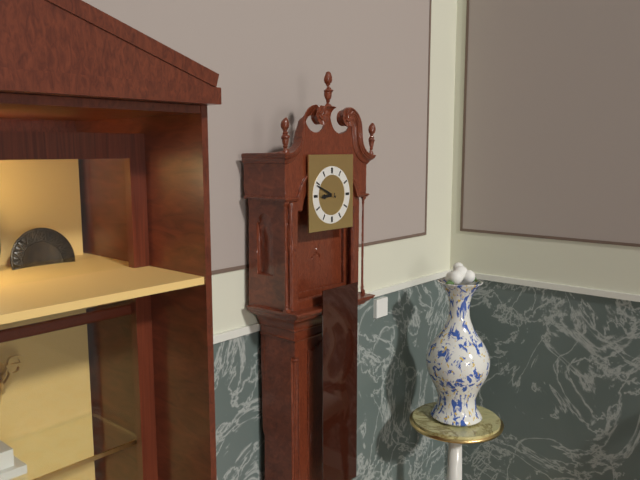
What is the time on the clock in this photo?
8:49
